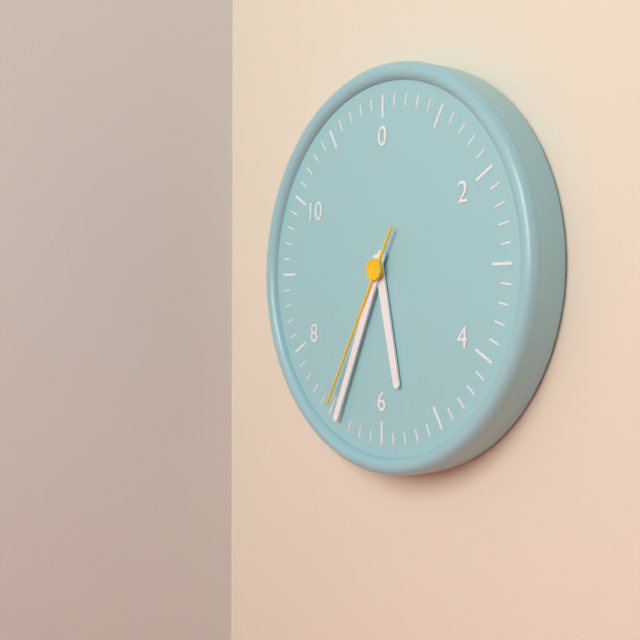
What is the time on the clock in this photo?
5:34:35
